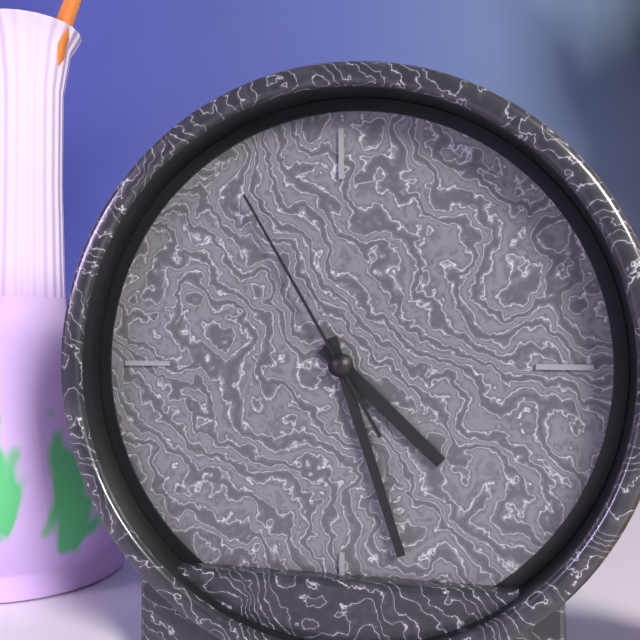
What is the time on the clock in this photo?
4:27:55
